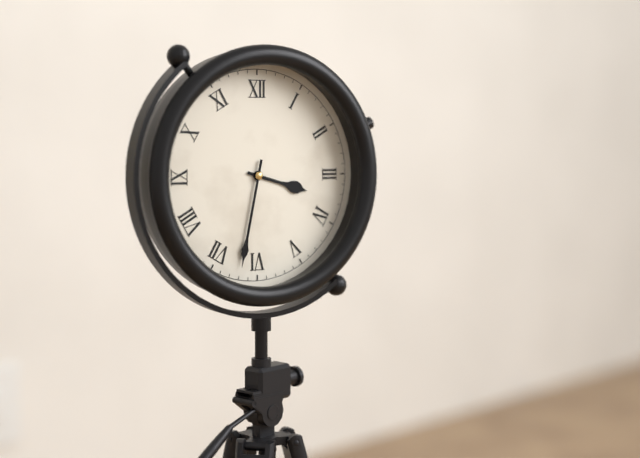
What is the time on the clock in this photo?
3:32
